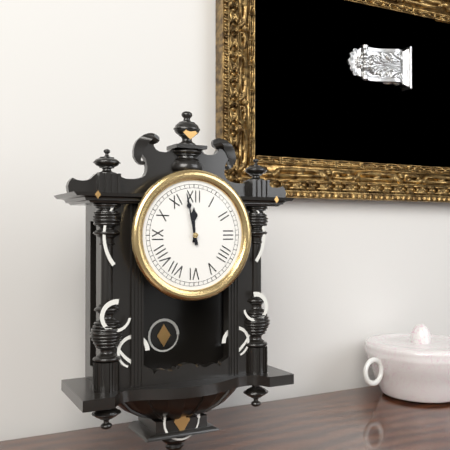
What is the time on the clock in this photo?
11:58
